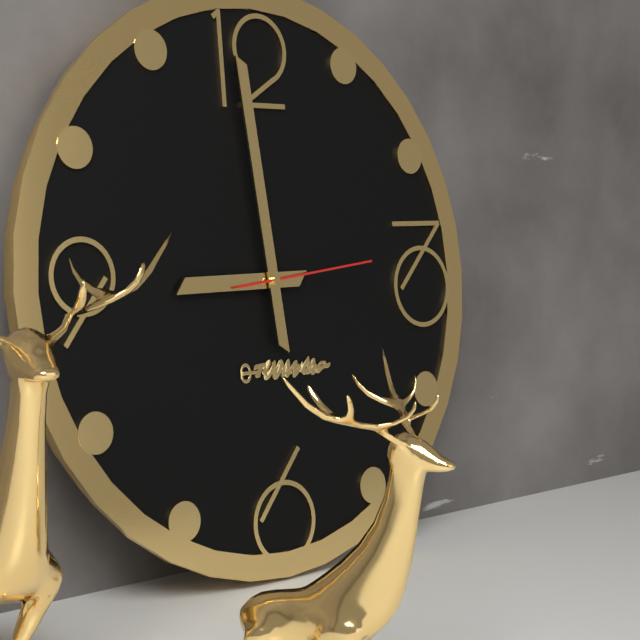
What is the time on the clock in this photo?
8:59:14
